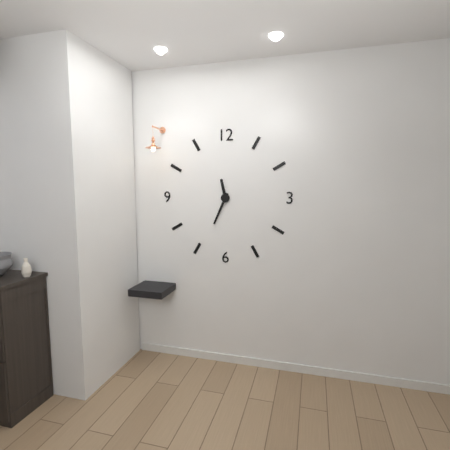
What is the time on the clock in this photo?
11:34
